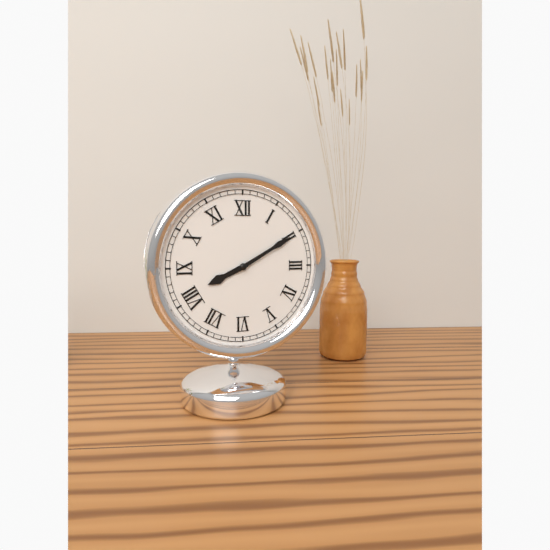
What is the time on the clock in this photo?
8:10
